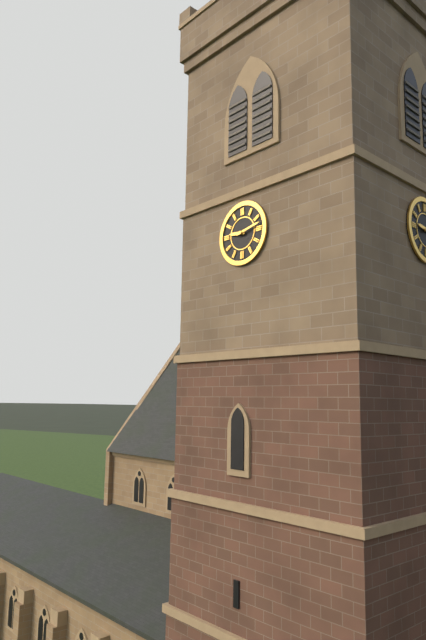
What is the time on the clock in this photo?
9:13
